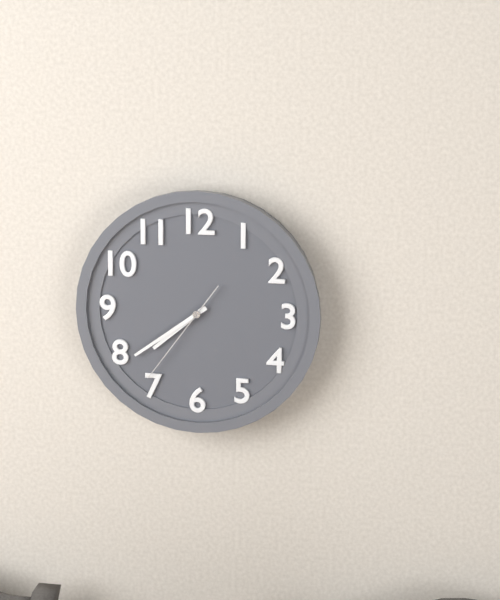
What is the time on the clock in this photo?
7:39:36
